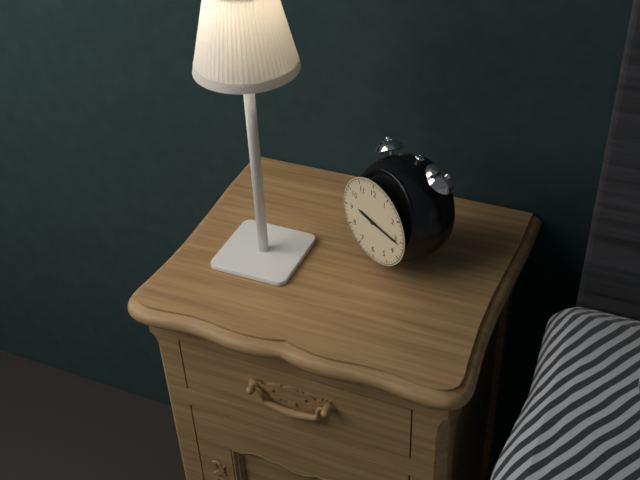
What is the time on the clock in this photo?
9:16
